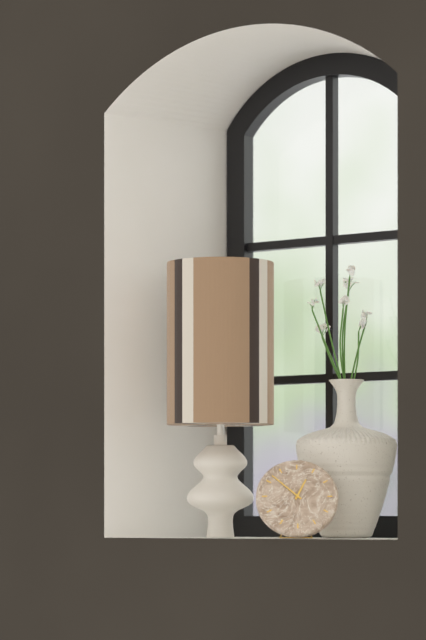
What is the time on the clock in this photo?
12:52
